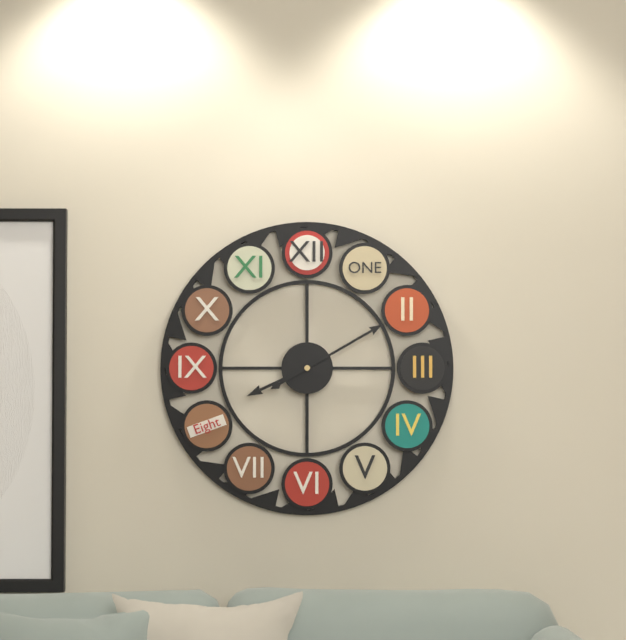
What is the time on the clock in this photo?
8:10
